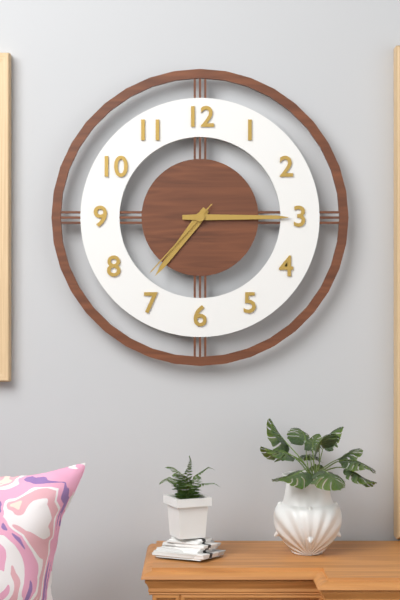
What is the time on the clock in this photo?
7:15:37
